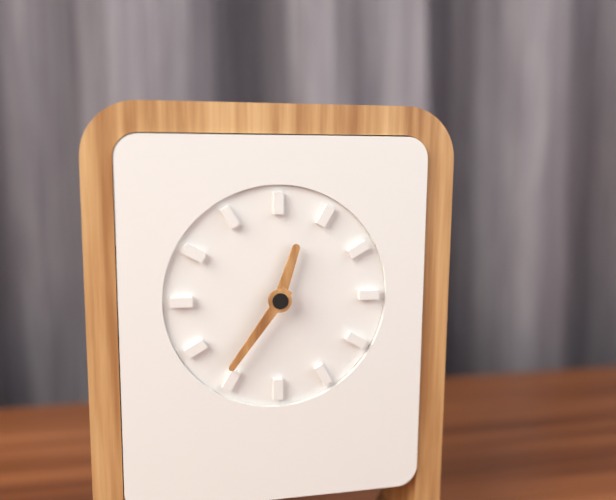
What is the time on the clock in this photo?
12:36
